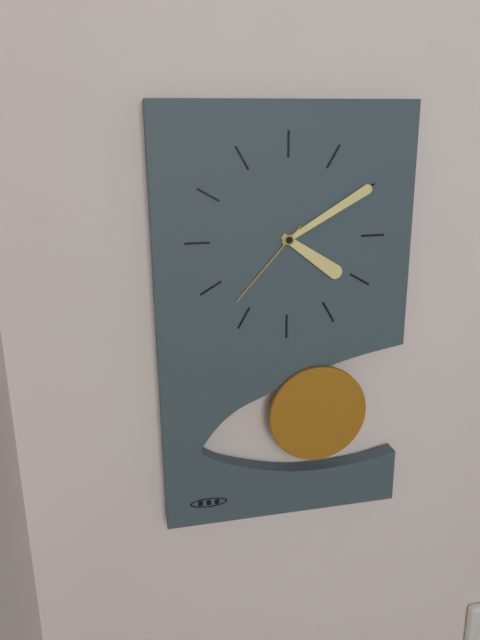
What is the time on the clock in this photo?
4:10:37
